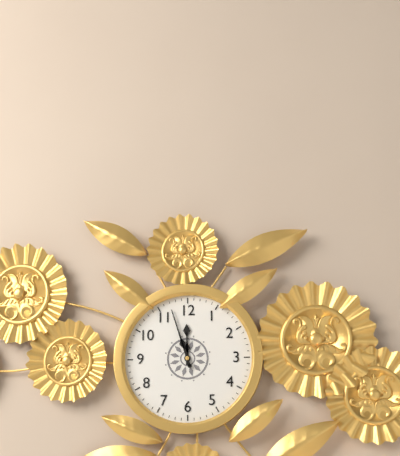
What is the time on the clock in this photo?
11:57
